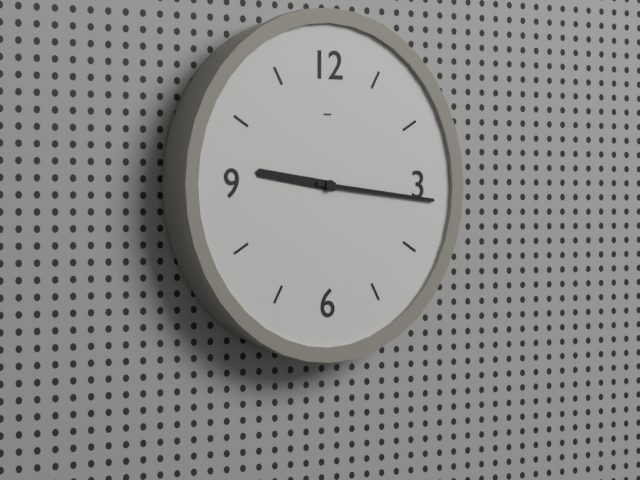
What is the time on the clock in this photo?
9:16
